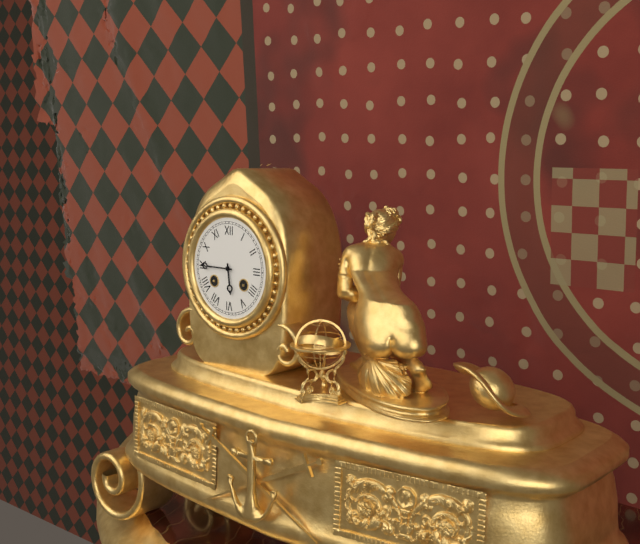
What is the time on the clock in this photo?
5:45
